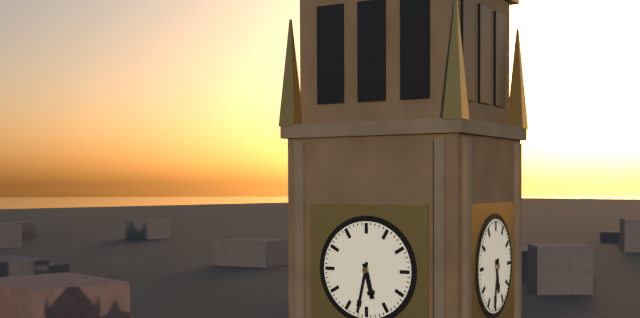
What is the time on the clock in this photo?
5:32
